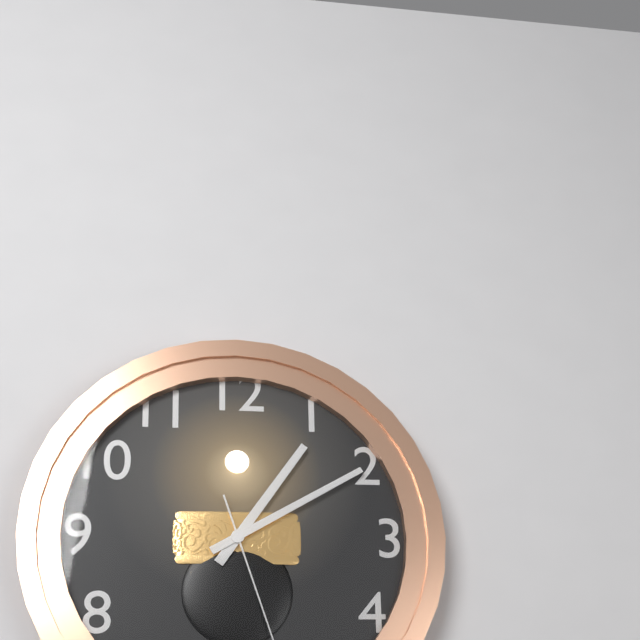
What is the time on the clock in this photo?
1:10
